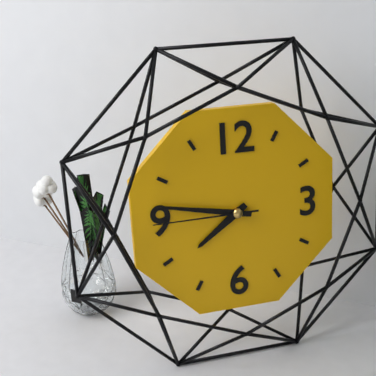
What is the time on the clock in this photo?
7:47:45
